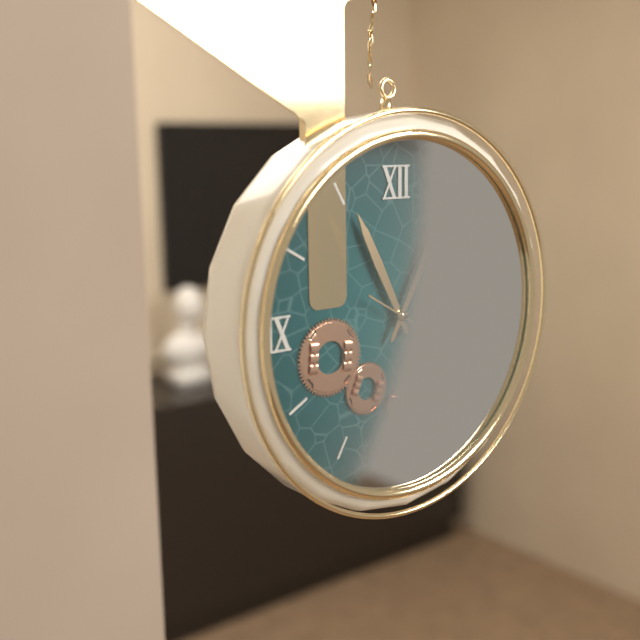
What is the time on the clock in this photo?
11:05:20
